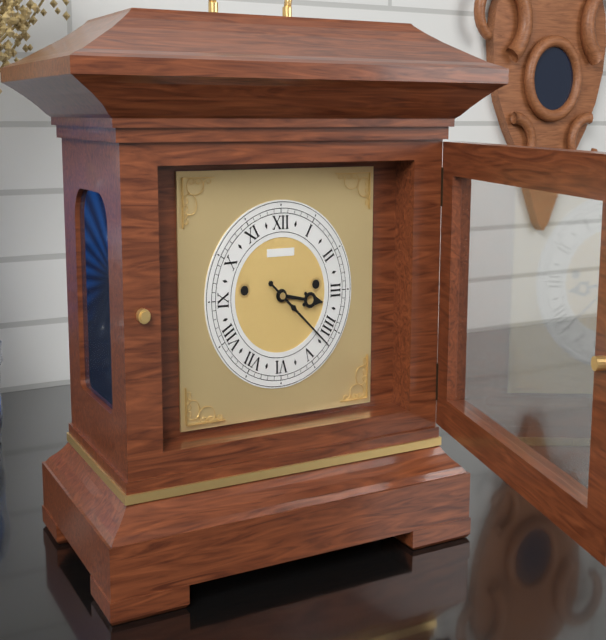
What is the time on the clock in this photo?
3:22
